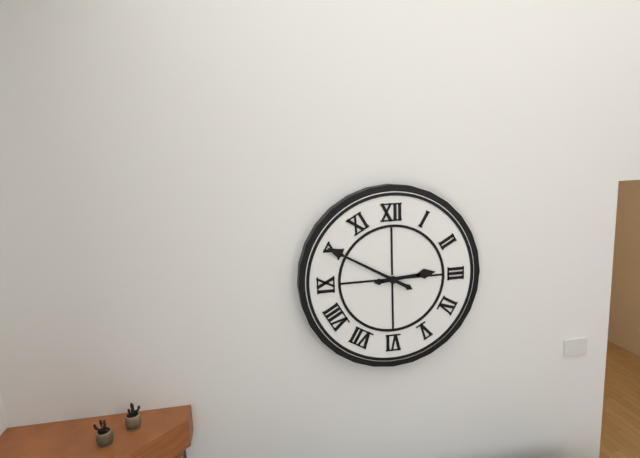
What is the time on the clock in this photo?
2:50
